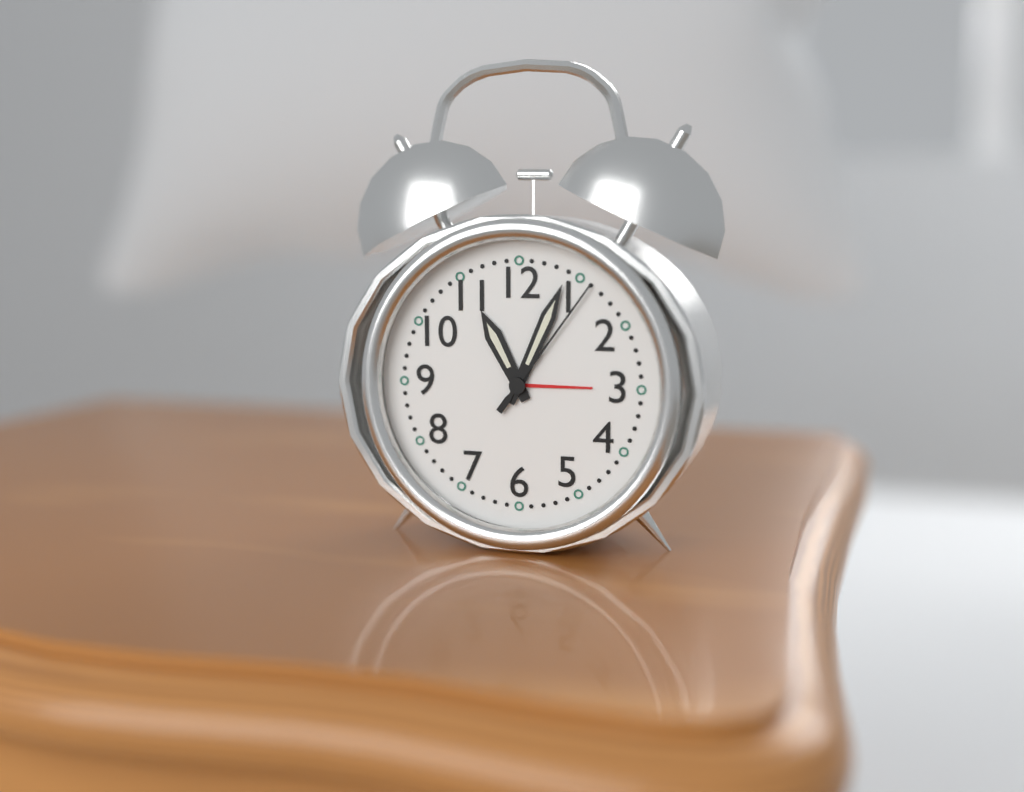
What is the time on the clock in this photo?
11:04:06
